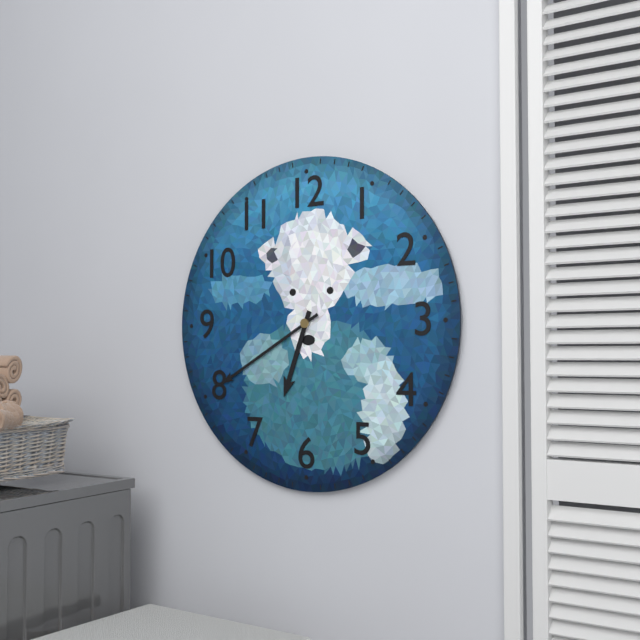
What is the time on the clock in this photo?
6:40
